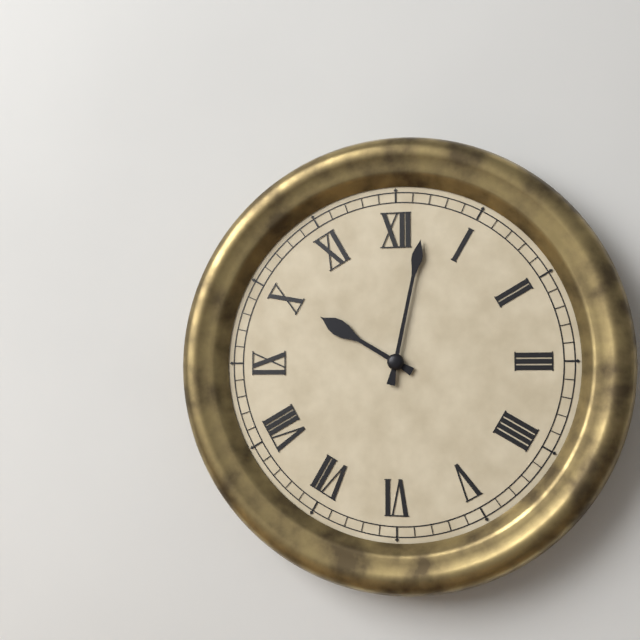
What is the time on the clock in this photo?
10:02
